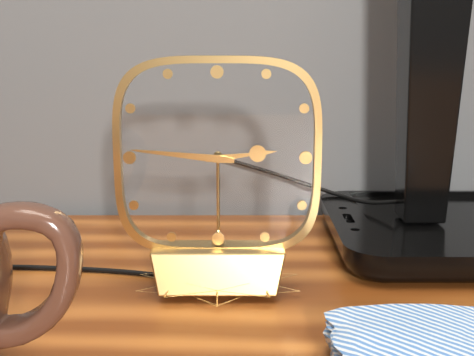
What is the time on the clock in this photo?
2:46
